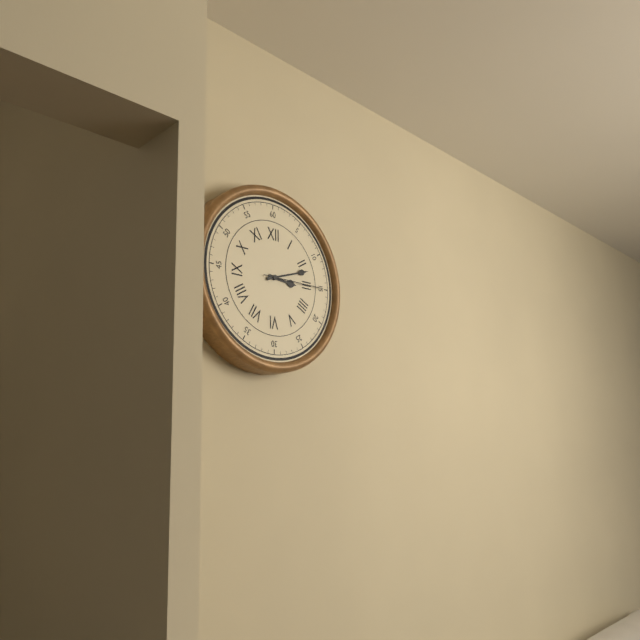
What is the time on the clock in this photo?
3:12:15
